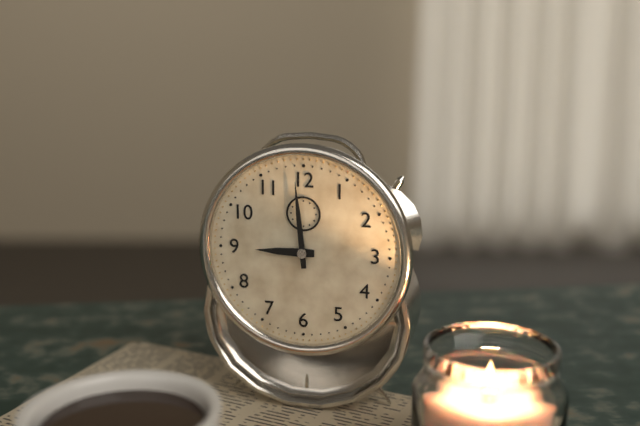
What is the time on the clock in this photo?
8:59
